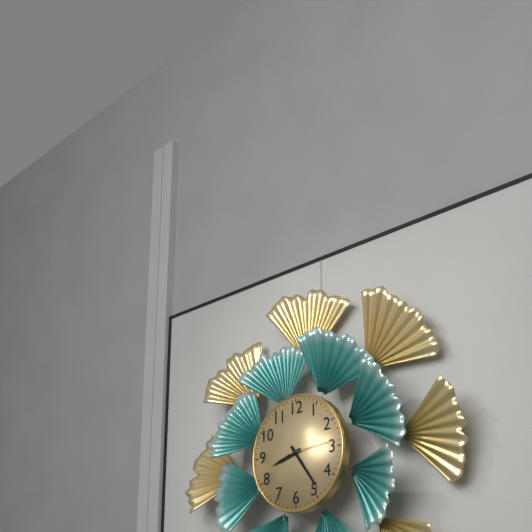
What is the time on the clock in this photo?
8:24:14
